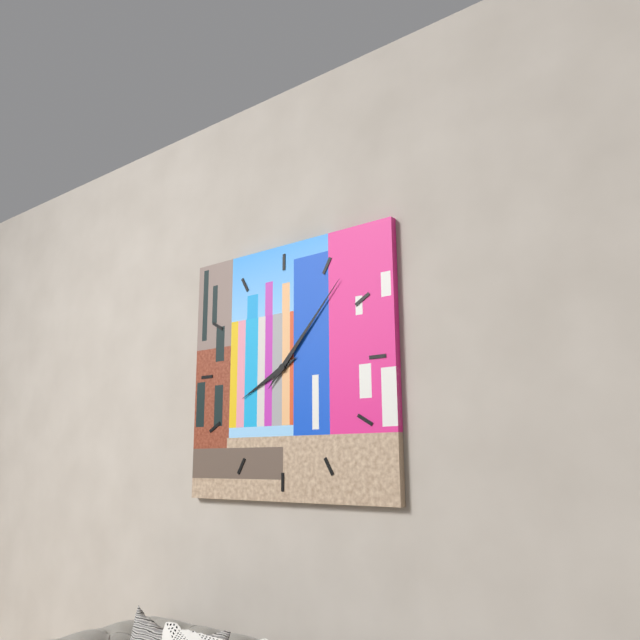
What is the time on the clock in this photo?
8:07
